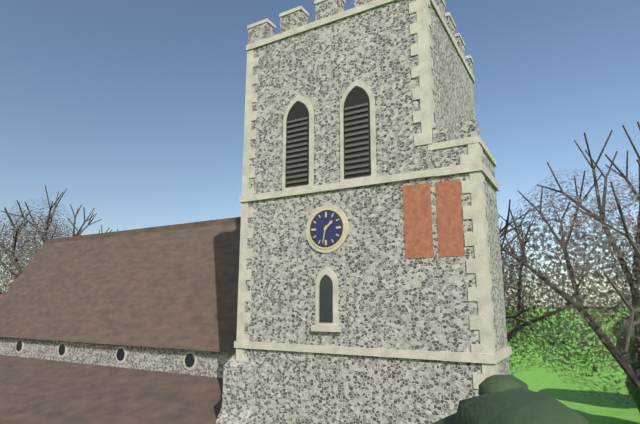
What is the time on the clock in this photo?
1:32
